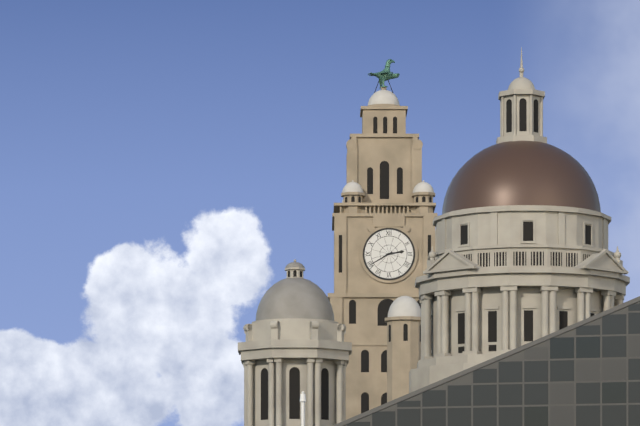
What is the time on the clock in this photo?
2:40
